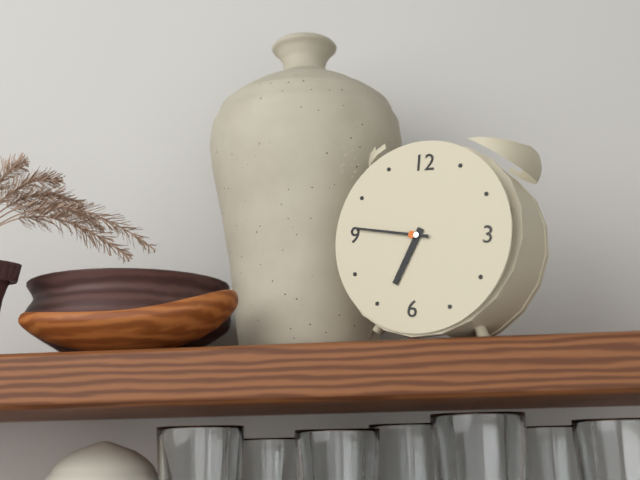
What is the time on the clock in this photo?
6:46
